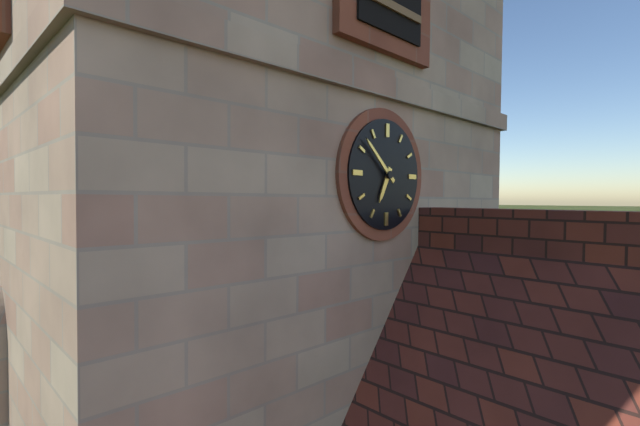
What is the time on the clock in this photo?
6:52
